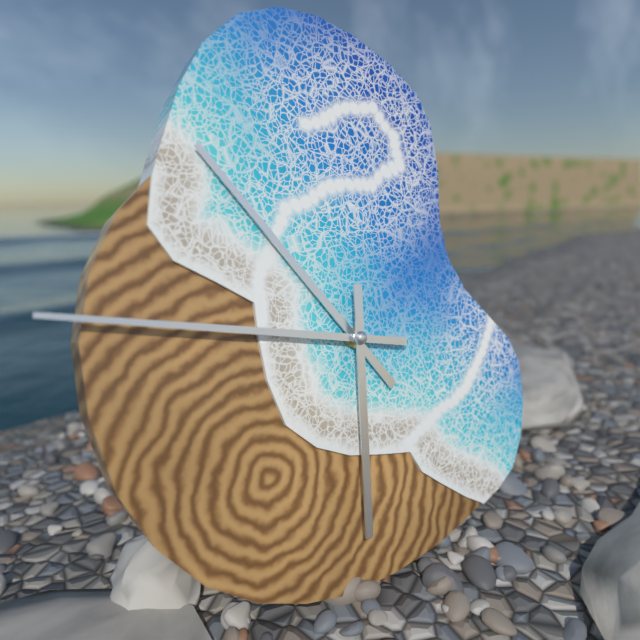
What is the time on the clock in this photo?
10:47:31
